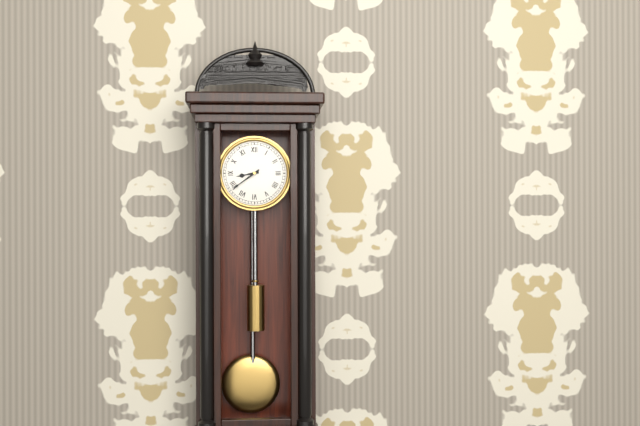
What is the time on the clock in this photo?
8:39
